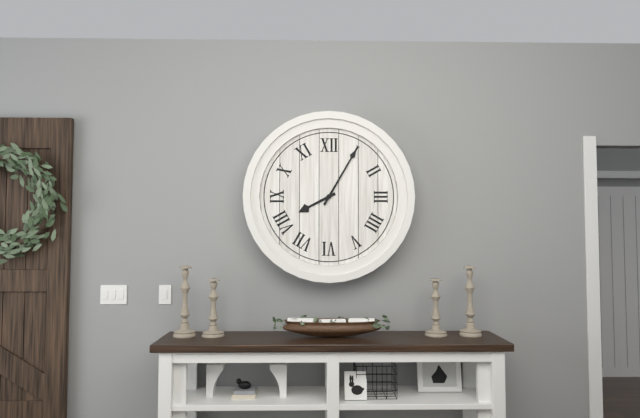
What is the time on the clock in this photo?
8:05
